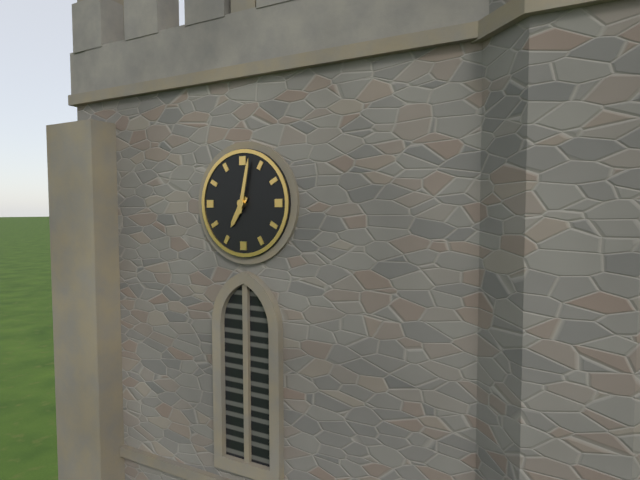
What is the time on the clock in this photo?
7:02
